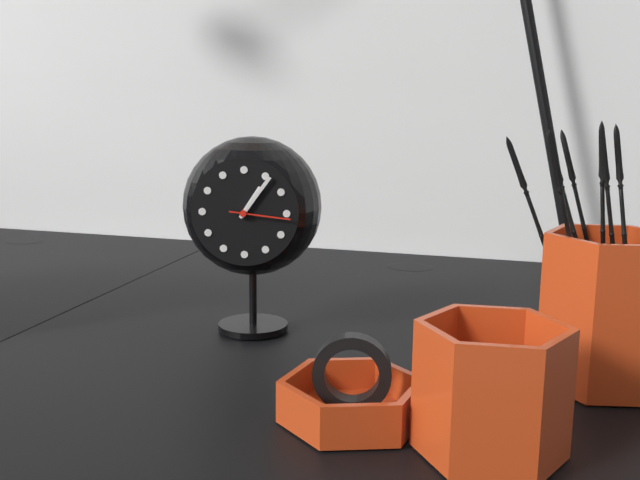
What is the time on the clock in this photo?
1:06:16
